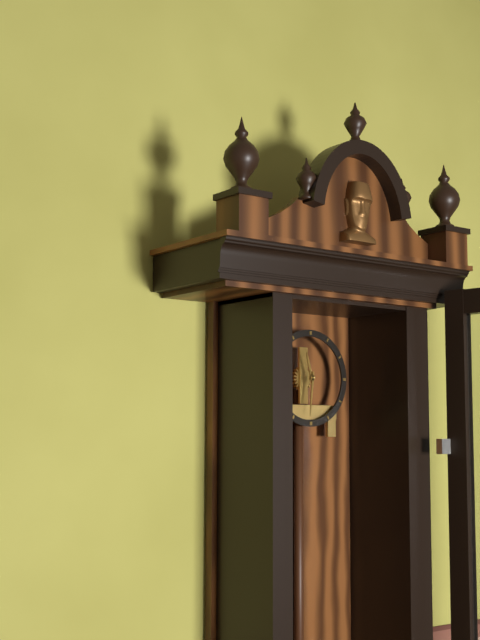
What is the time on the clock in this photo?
11:31
